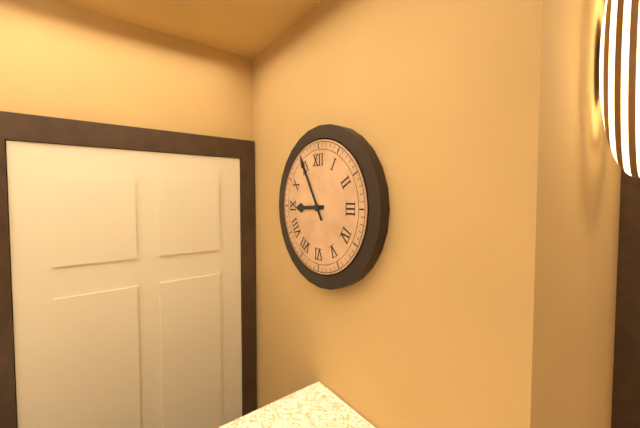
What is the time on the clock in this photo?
8:55
